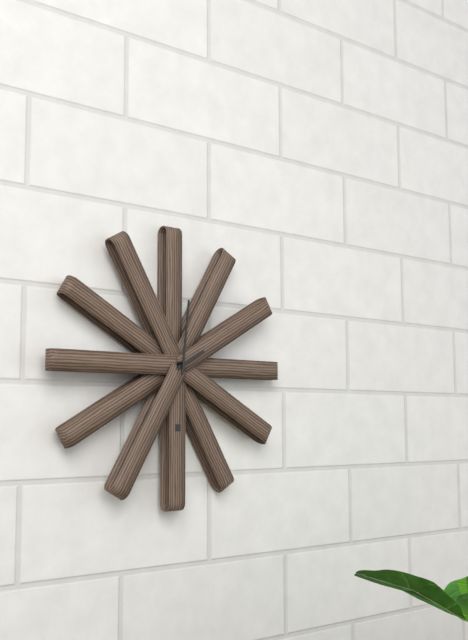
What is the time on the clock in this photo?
2:01
